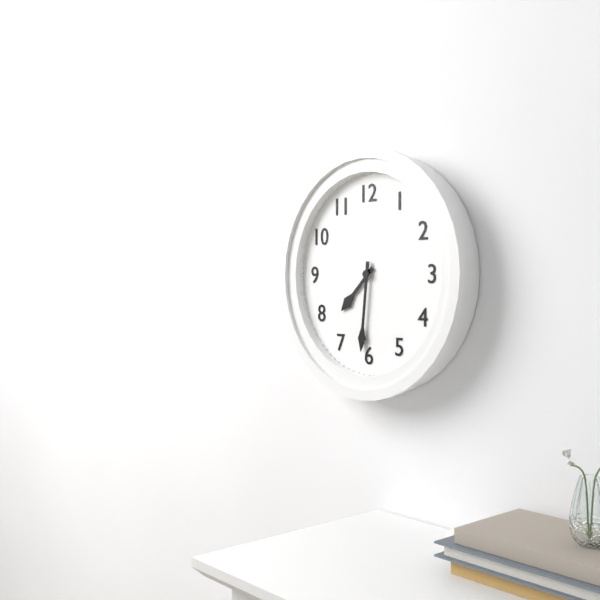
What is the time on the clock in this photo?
7:31
